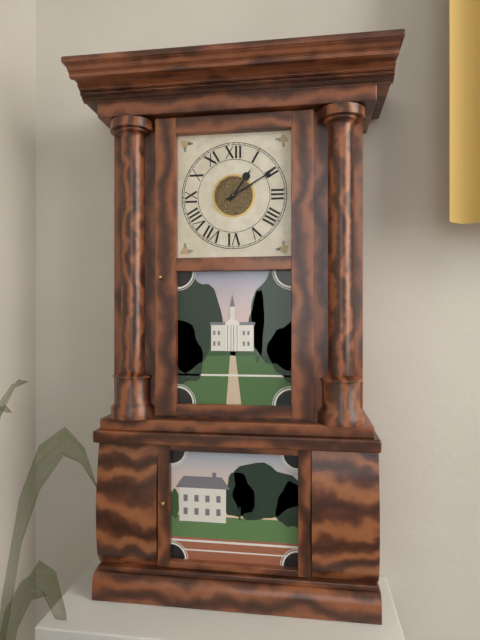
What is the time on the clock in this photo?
1:10
